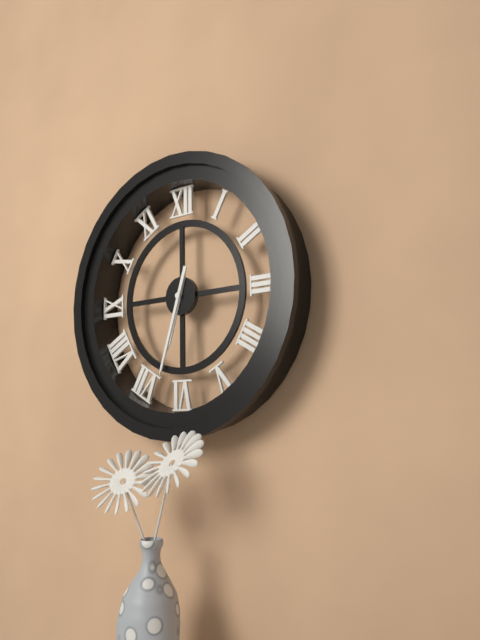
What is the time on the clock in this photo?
6:33
